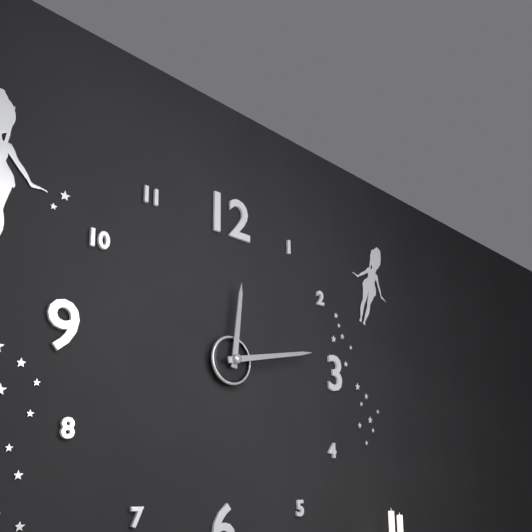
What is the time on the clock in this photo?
12:13
